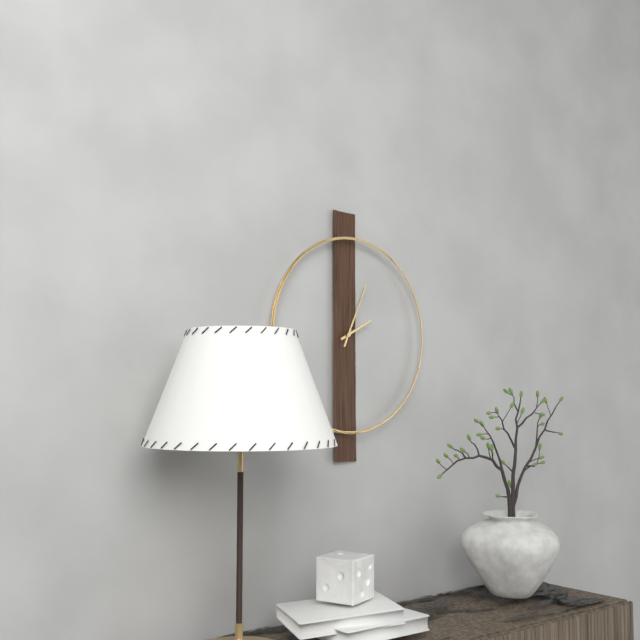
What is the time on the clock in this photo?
2:04
